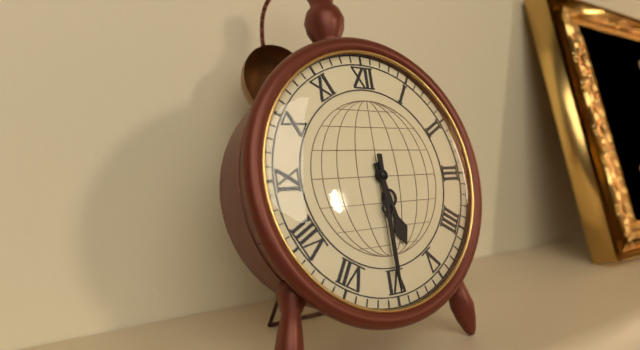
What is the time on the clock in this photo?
5:30
